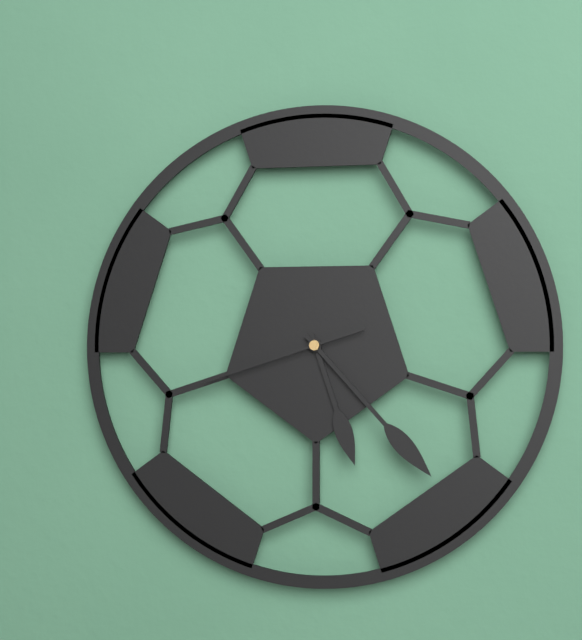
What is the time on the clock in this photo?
5:23:42
